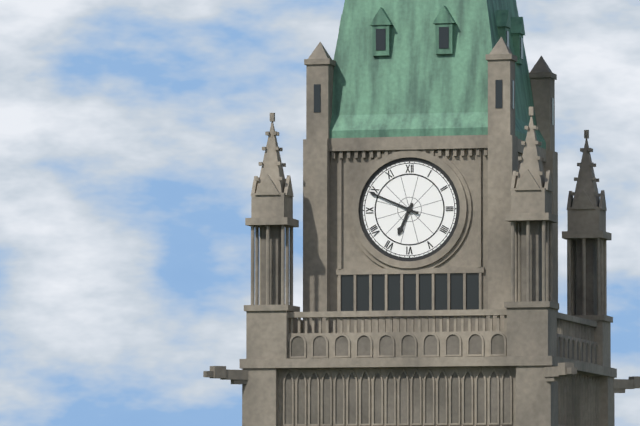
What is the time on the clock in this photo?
6:49
